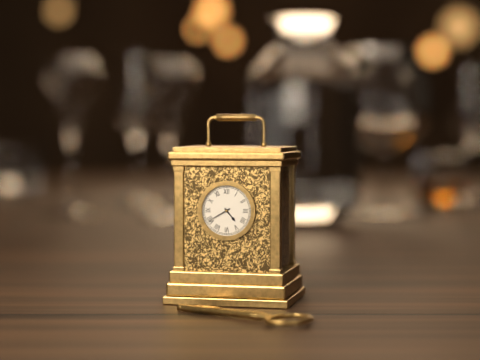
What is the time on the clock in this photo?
4:40
